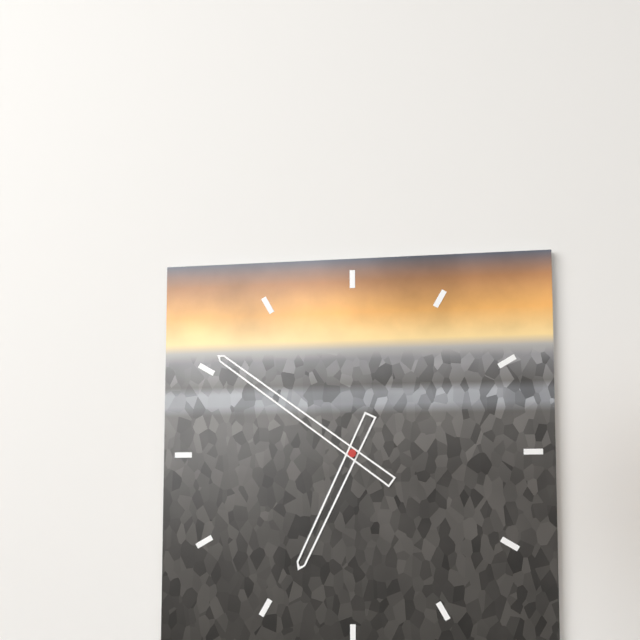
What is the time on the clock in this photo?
6:51
